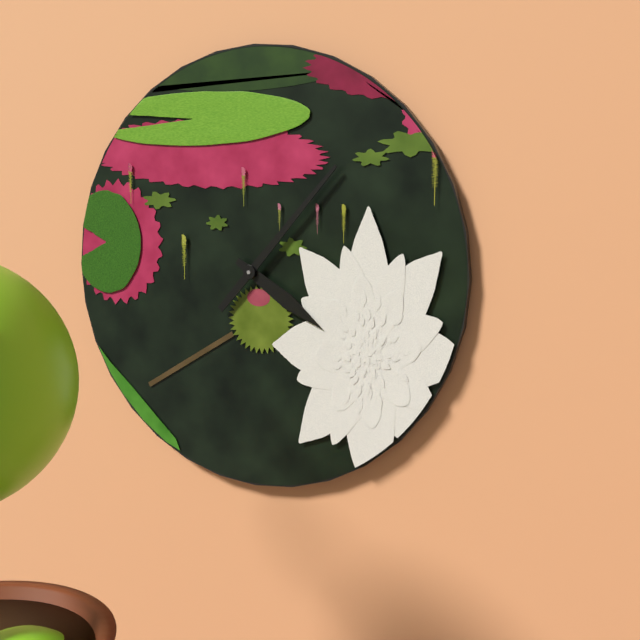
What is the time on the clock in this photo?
4:07
